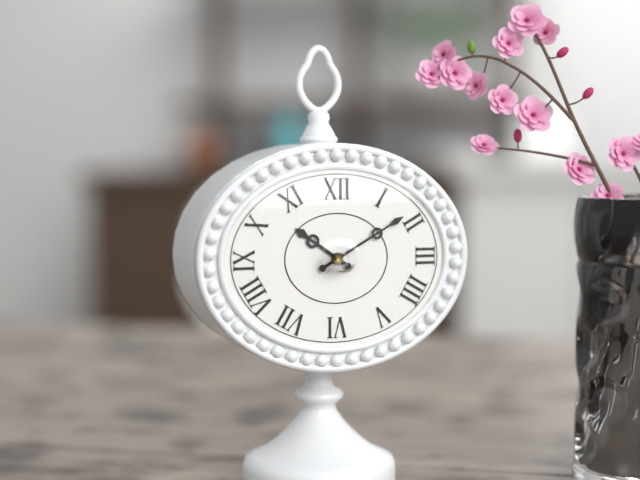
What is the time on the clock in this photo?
10:10
